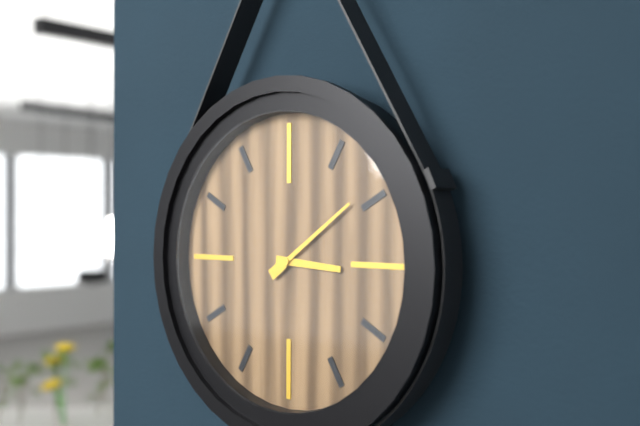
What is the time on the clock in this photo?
3:09
